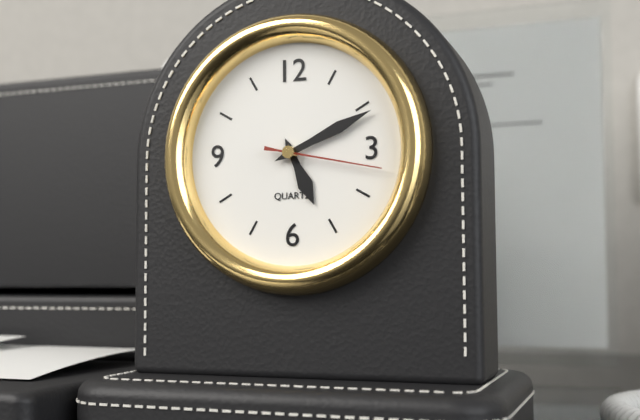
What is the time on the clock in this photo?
5:11:17
